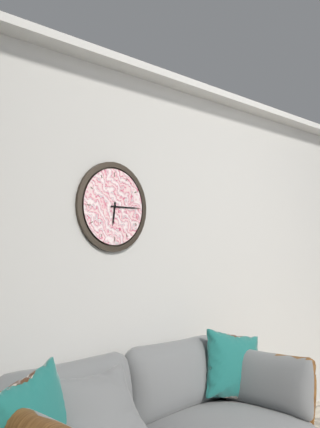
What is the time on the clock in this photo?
6:15
